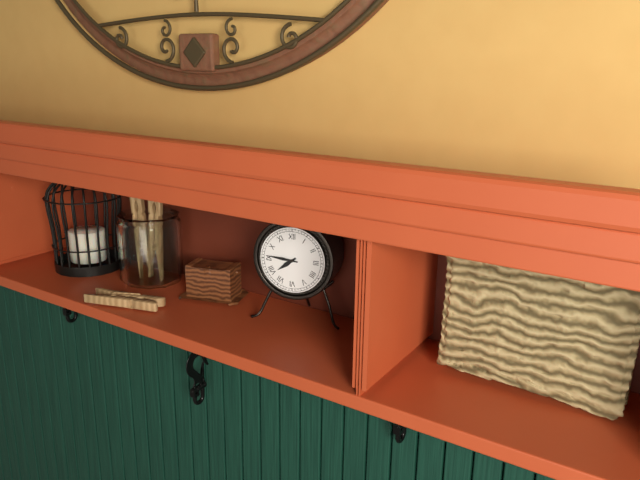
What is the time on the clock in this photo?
7:46
